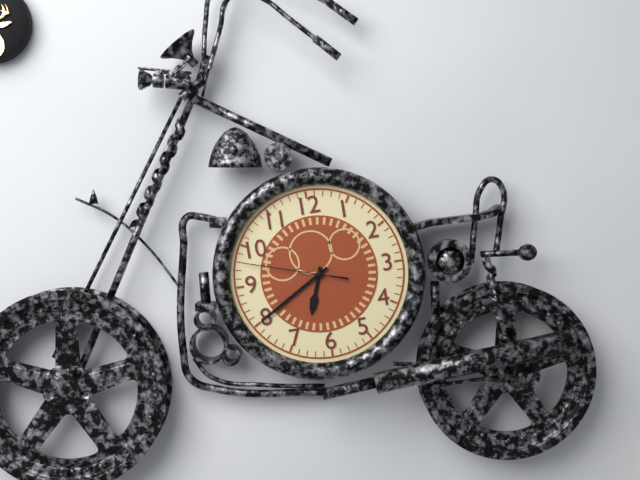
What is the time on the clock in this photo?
6:40:48
